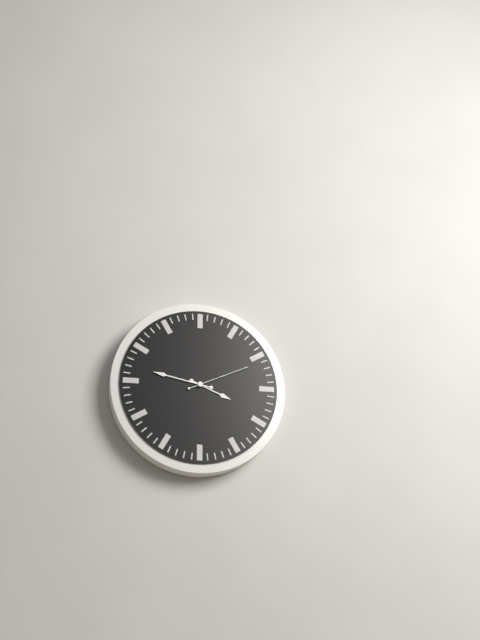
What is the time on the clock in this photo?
3:47:11
